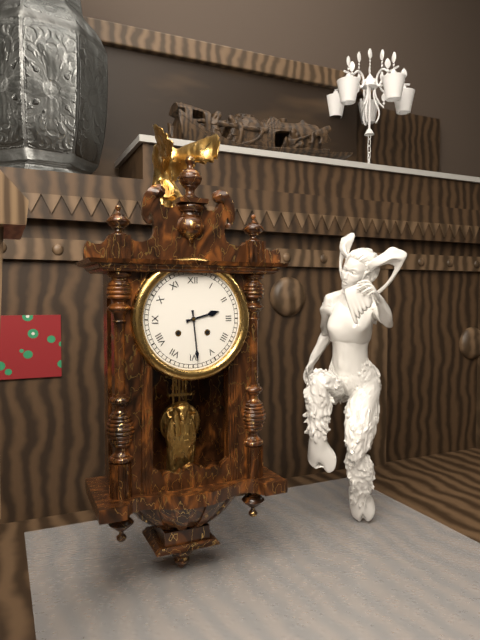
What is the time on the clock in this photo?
2:29
